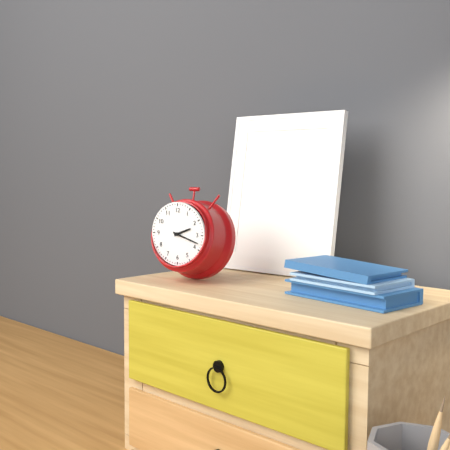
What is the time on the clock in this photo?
2:18
